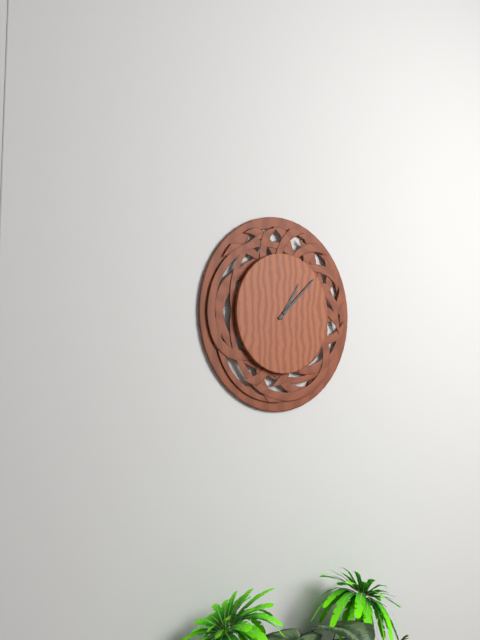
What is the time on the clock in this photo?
1:08
